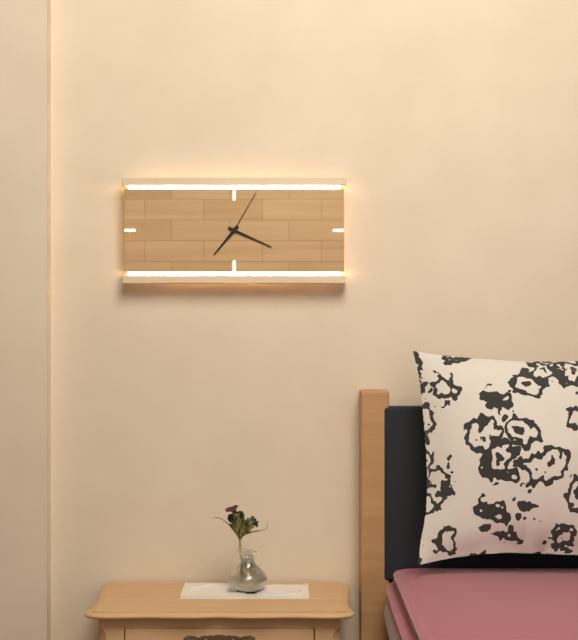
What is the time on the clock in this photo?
7:19:05
